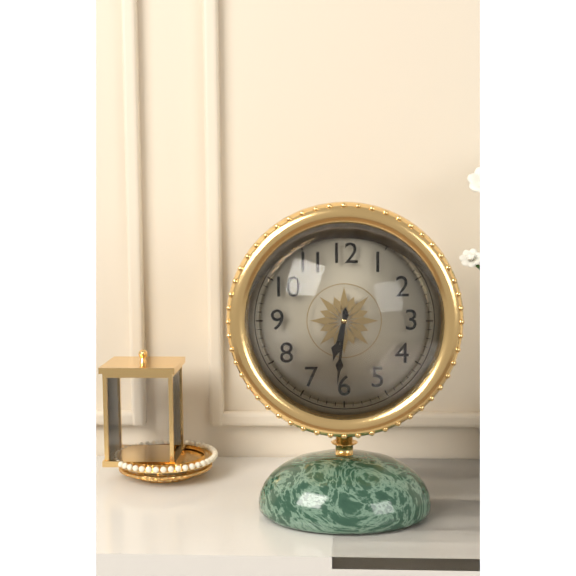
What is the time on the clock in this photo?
6:31
